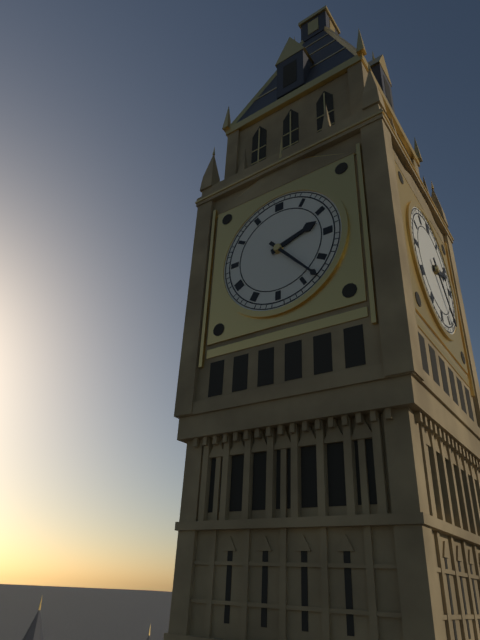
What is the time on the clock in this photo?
2:23
